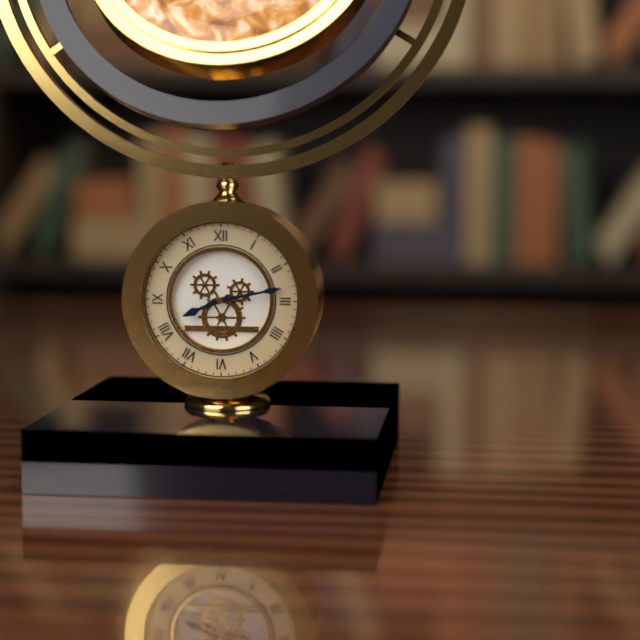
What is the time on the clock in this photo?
8:13
